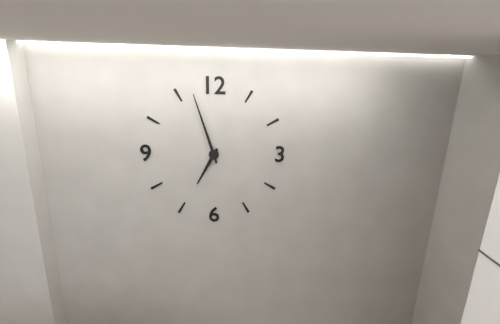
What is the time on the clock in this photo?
6:57
